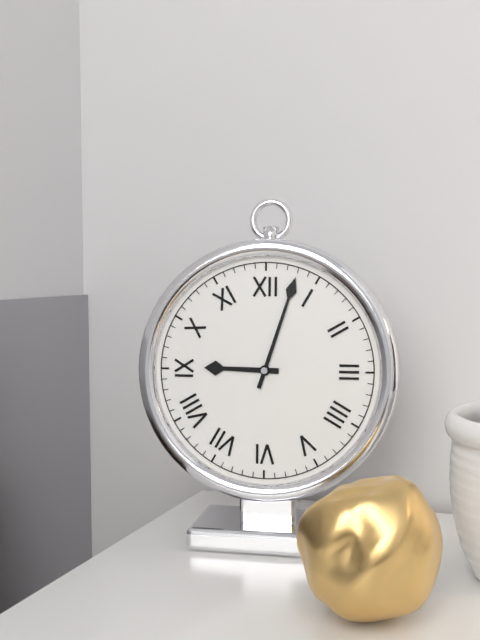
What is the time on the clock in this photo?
9:03
